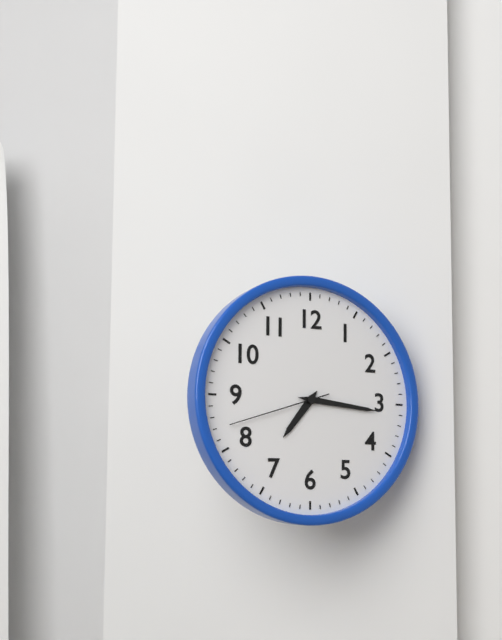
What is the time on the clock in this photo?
7:16:42
